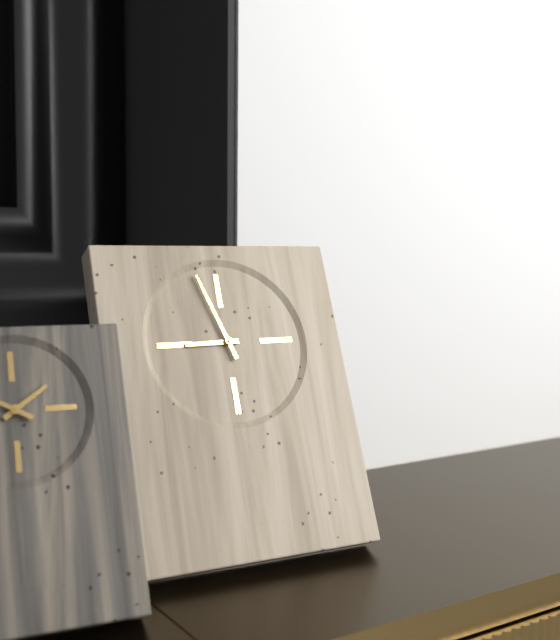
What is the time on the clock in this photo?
8:57
